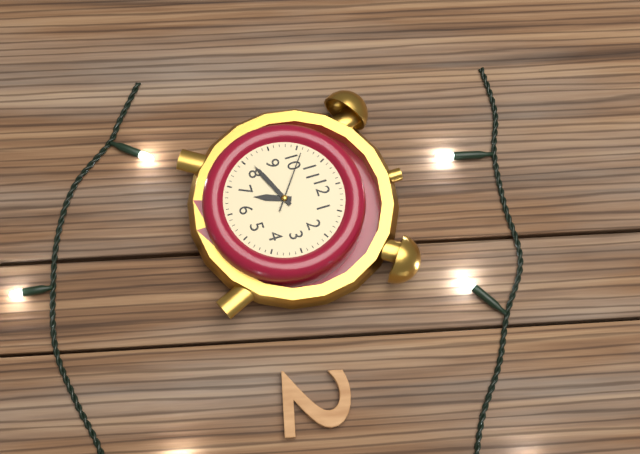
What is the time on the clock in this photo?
6:41:51
